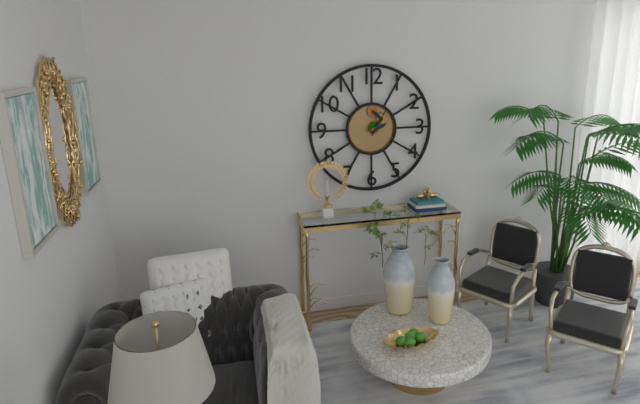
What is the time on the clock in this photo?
2:05
